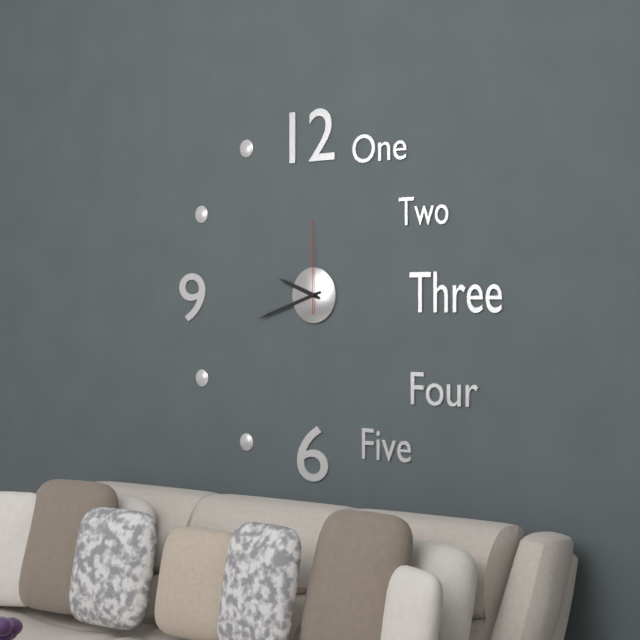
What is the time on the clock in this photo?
9:42:00
